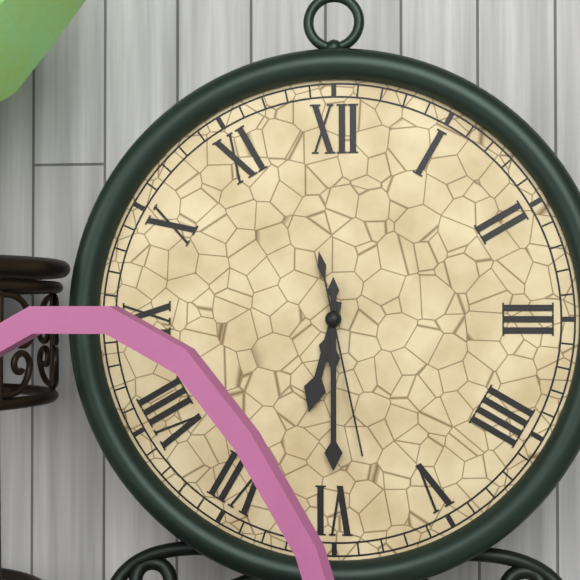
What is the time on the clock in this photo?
6:30:28
